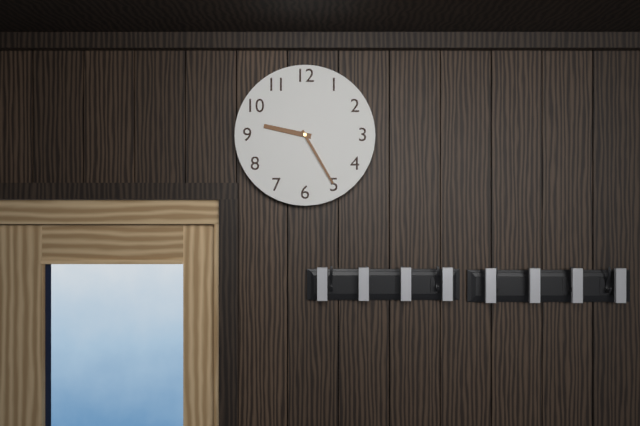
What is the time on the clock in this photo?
9:25
